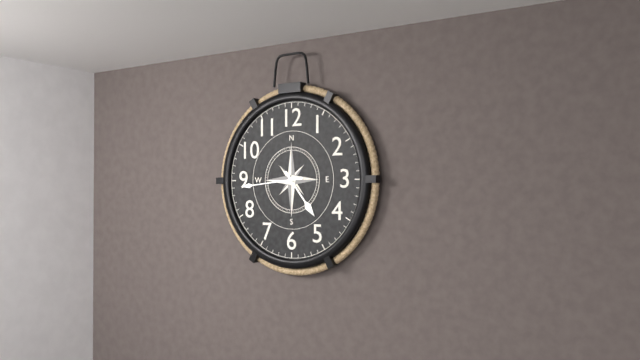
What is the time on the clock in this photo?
4:44
